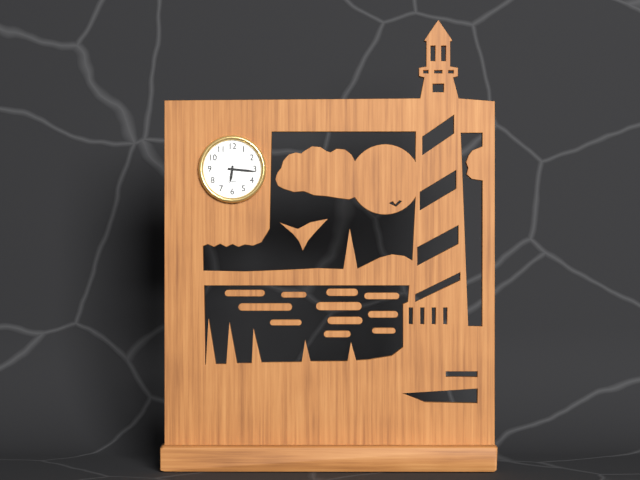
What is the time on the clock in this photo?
6:16
